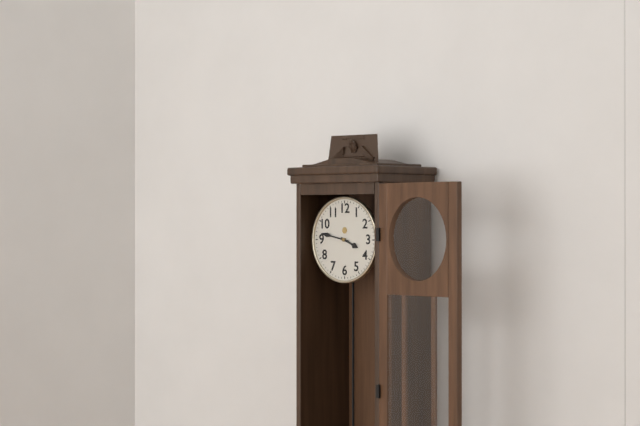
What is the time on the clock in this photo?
3:47
